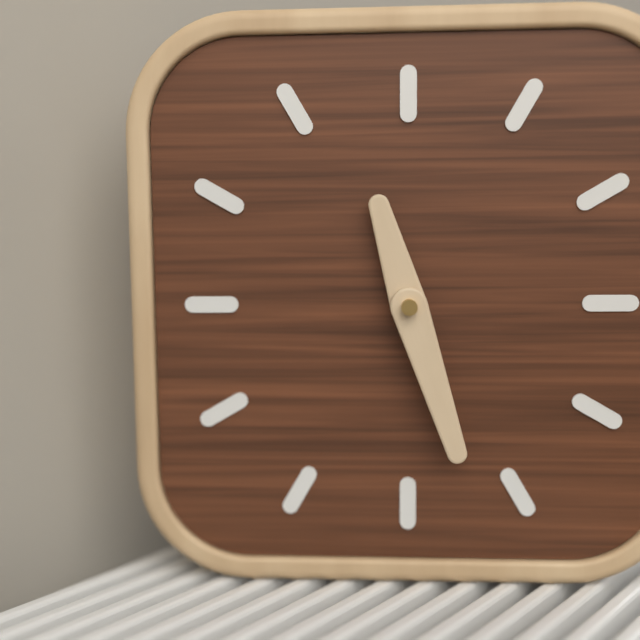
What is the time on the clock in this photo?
11:27
